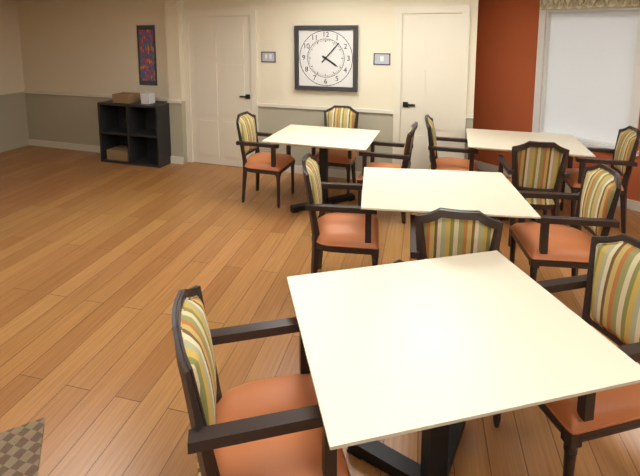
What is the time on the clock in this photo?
4:07
